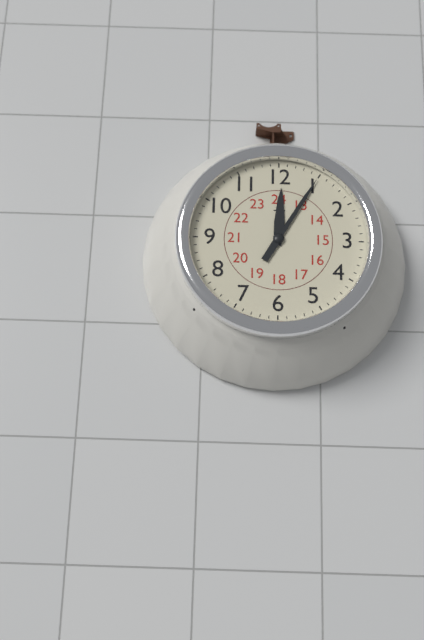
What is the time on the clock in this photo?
12:05
